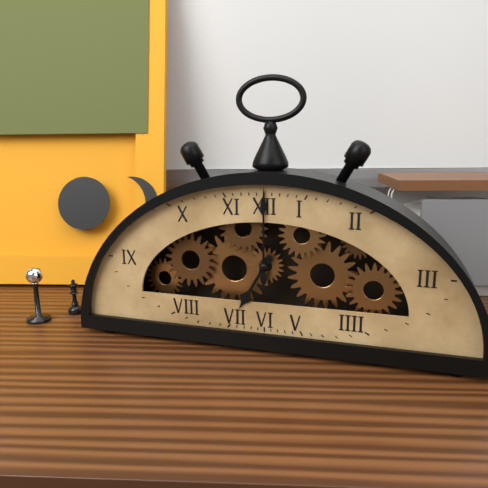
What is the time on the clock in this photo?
7:00
